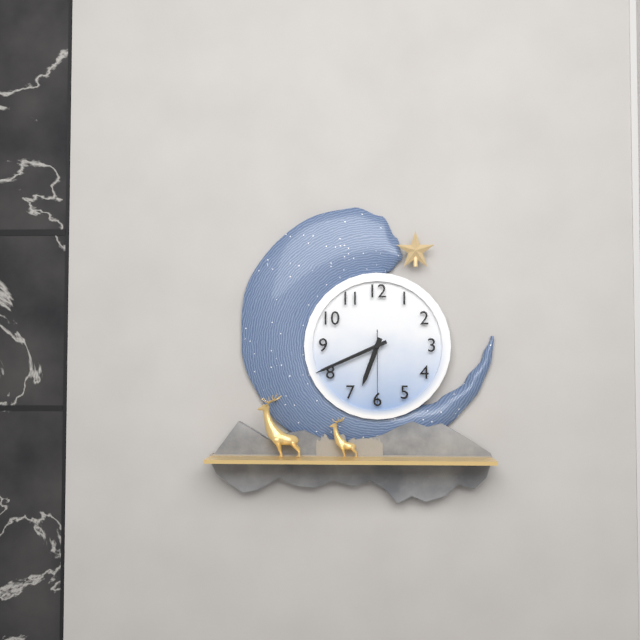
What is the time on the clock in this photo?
6:41:30
